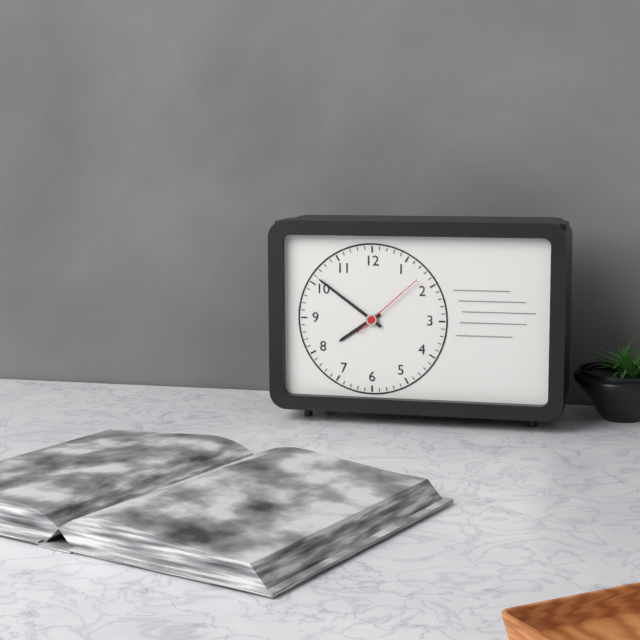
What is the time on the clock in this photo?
7:51:08
